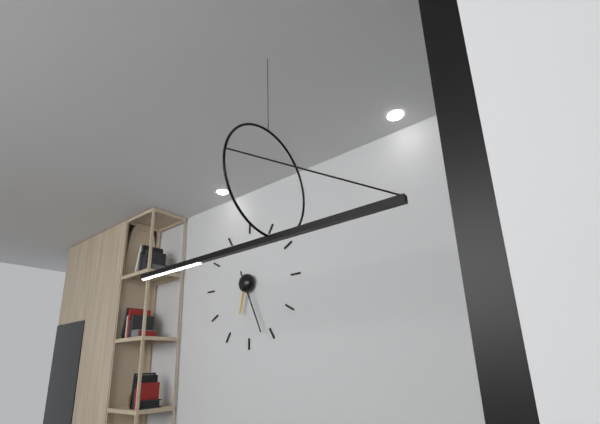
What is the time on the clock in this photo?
6:26
